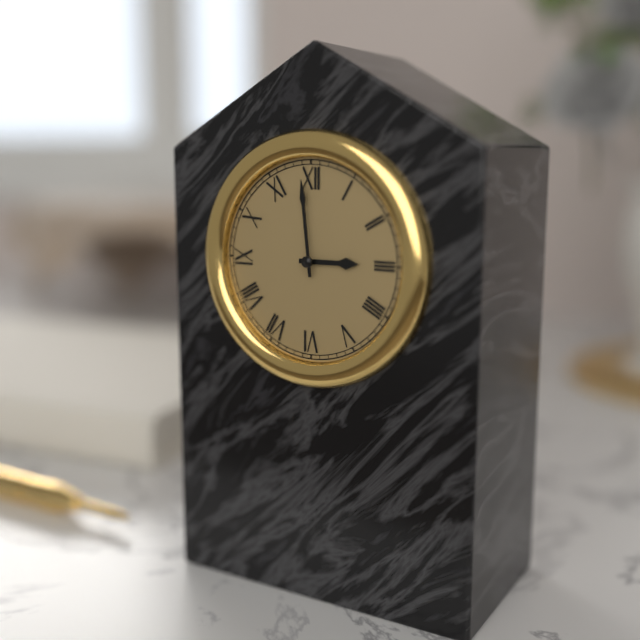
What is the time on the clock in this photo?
2:59
